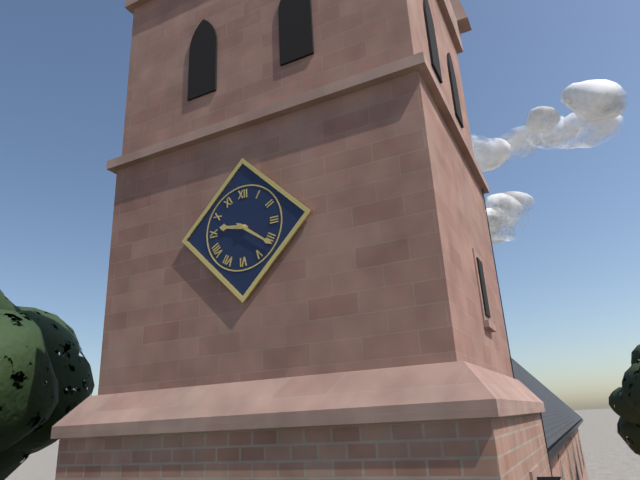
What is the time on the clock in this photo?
9:21
